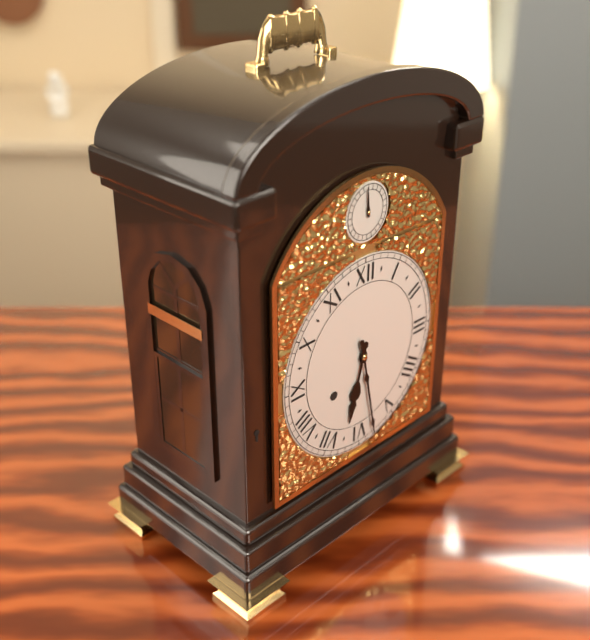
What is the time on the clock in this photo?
6:28
